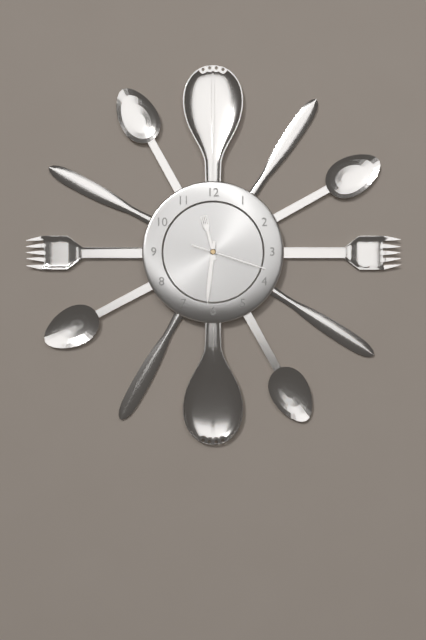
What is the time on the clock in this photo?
11:31:18
